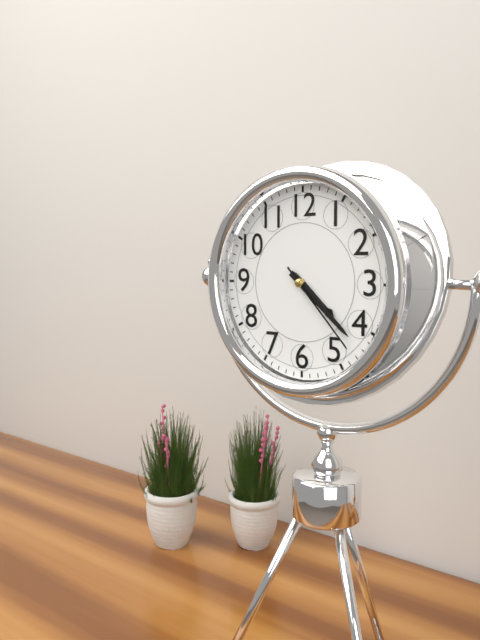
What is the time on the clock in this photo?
4:22:23
